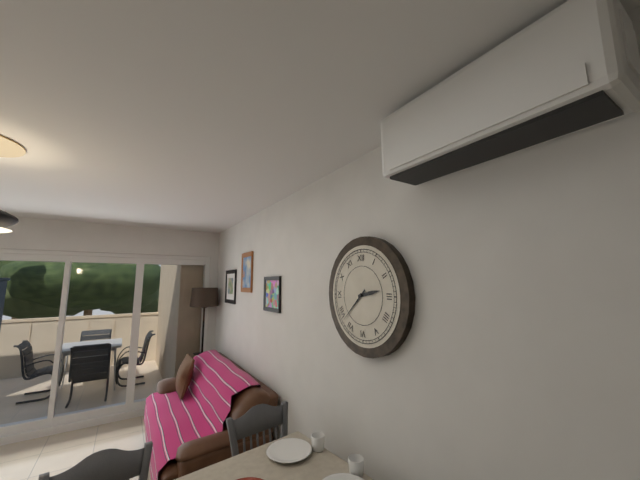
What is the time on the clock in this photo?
2:38
